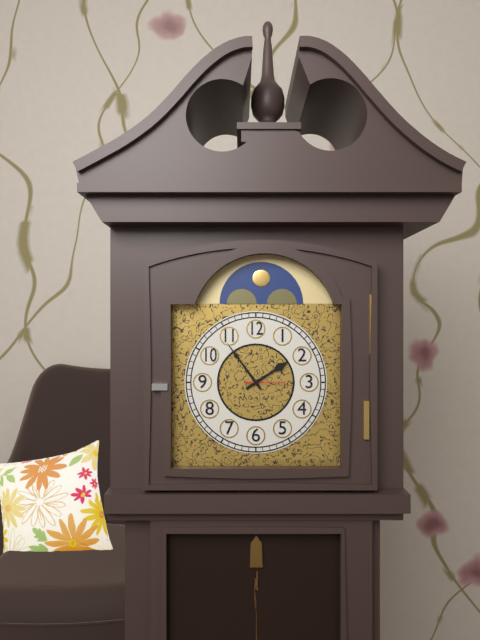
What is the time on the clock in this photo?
1:54
